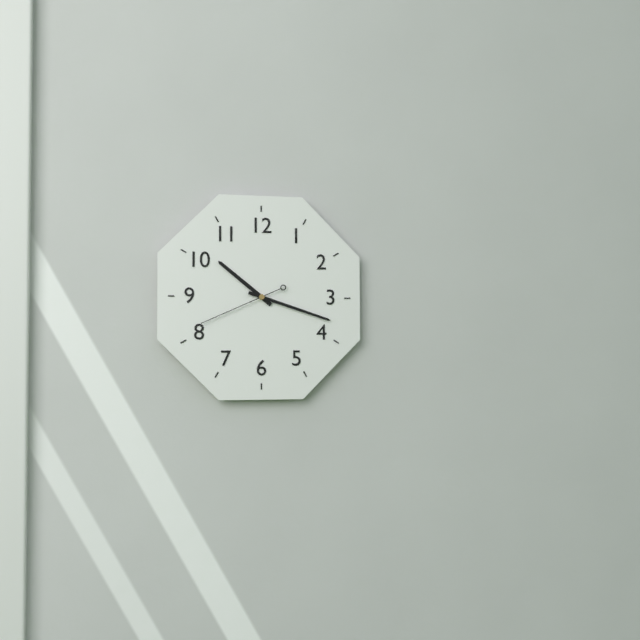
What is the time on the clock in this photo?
10:18:41
